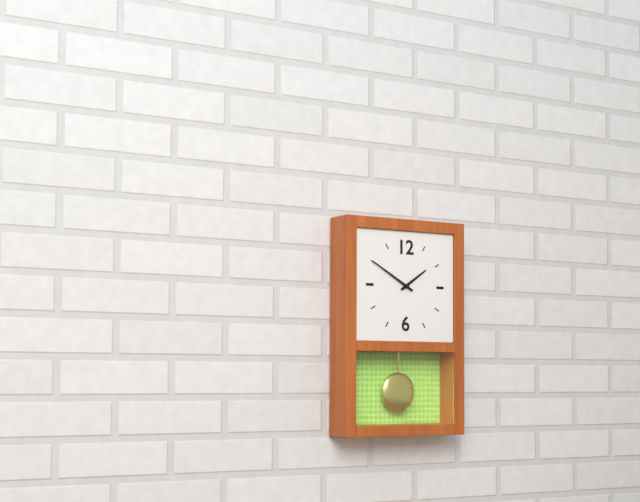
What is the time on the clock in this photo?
1:50
